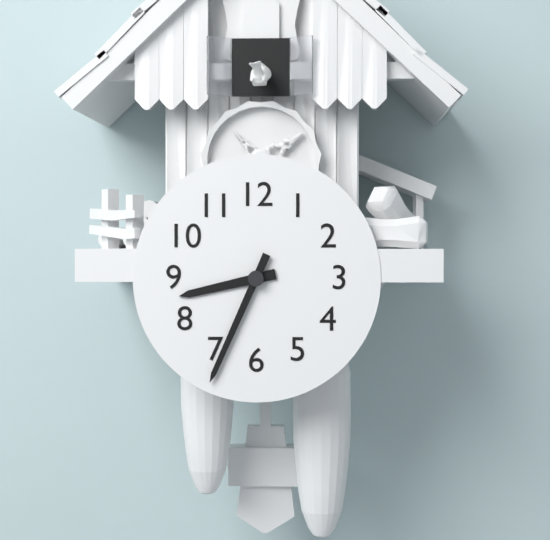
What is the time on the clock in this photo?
8:34
